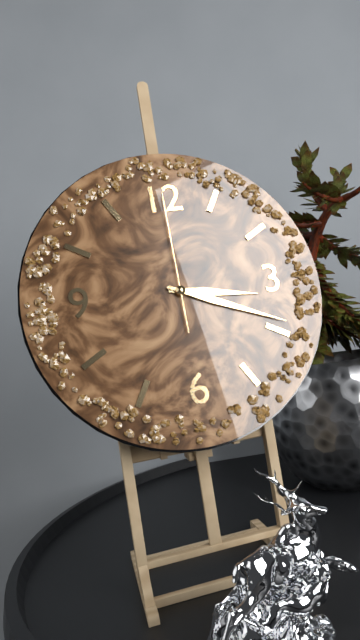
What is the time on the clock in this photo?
3:19:00
